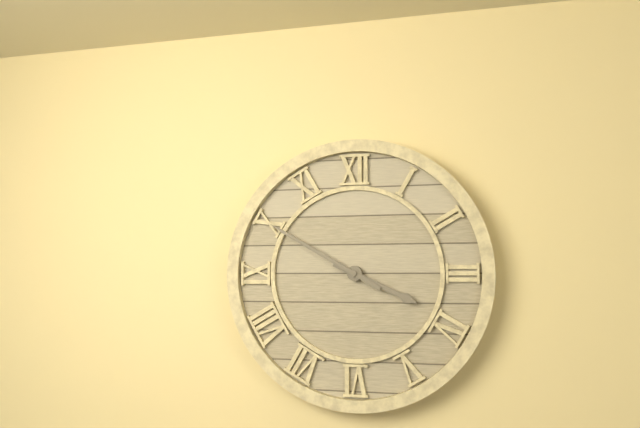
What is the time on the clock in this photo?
3:50
